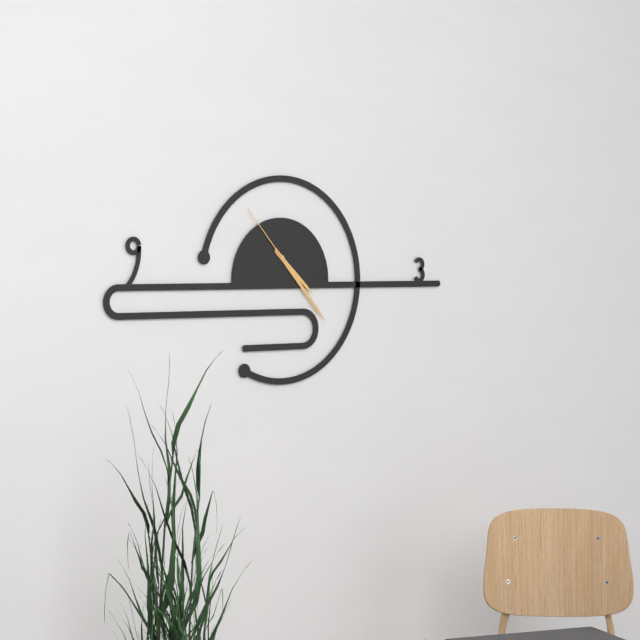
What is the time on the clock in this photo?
4:23:53
